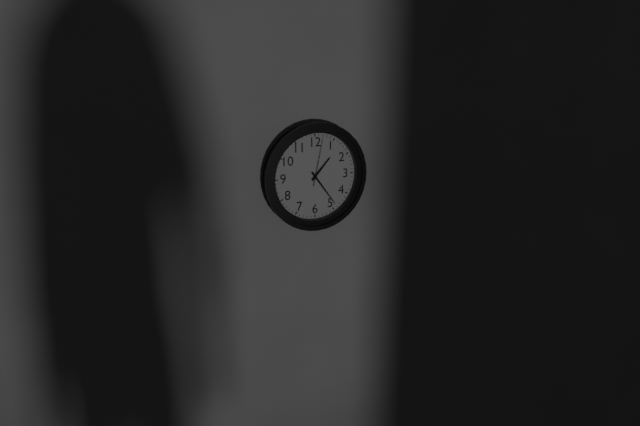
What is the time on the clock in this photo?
1:24:02
